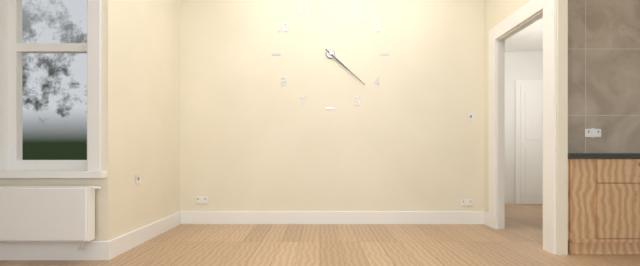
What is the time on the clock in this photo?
4:22
